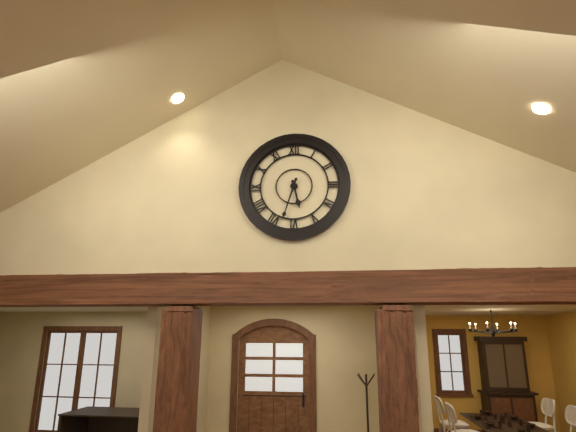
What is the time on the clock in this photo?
5:33
